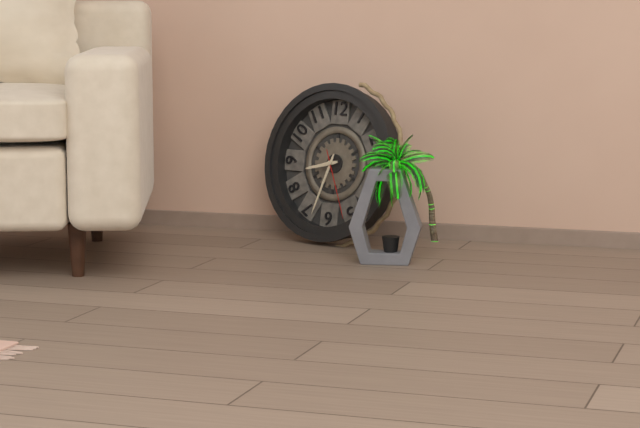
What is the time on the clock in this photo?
8:33:26
